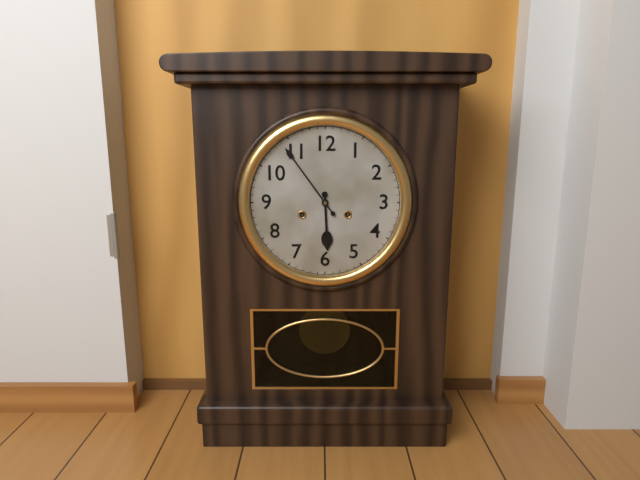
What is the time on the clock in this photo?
5:54
